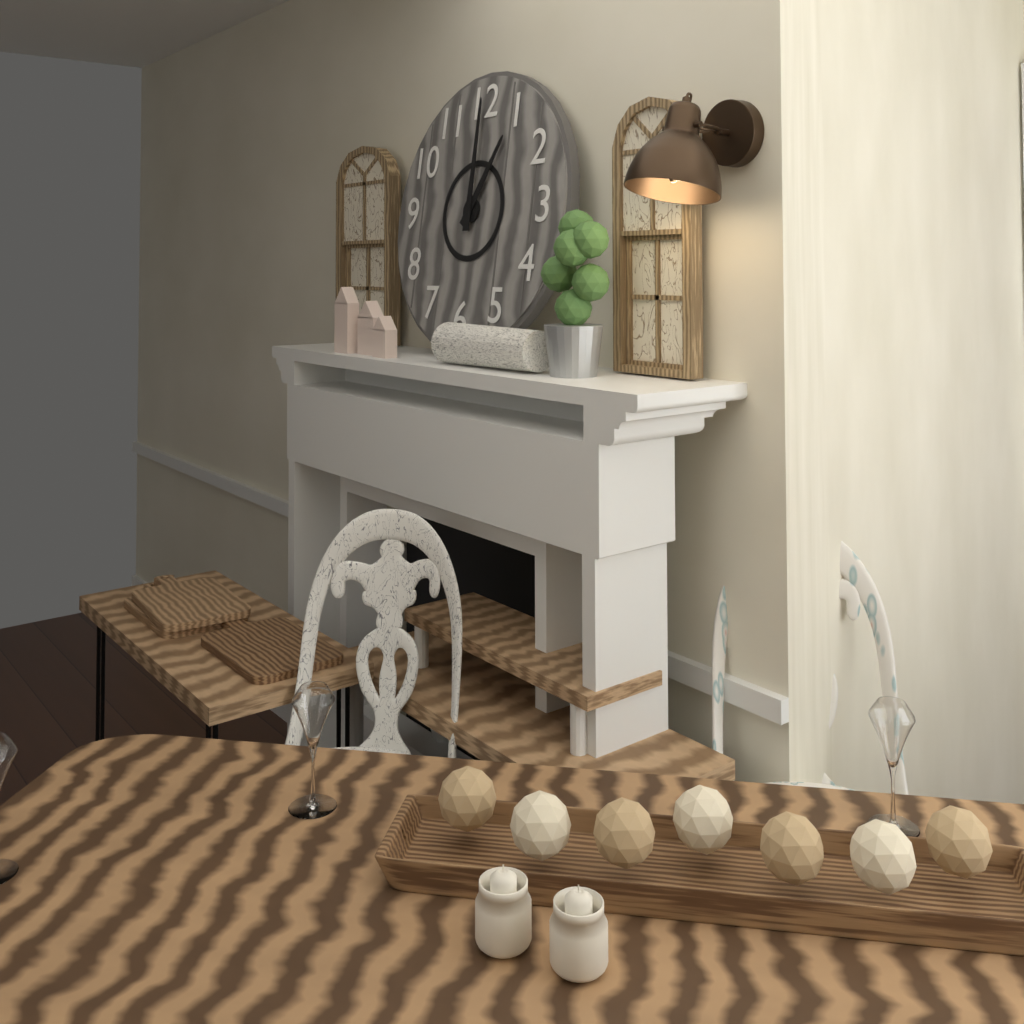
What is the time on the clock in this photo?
1:00
